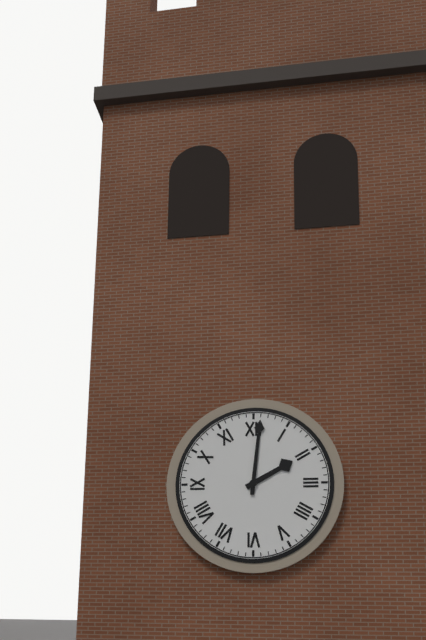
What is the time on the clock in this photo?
2:01
